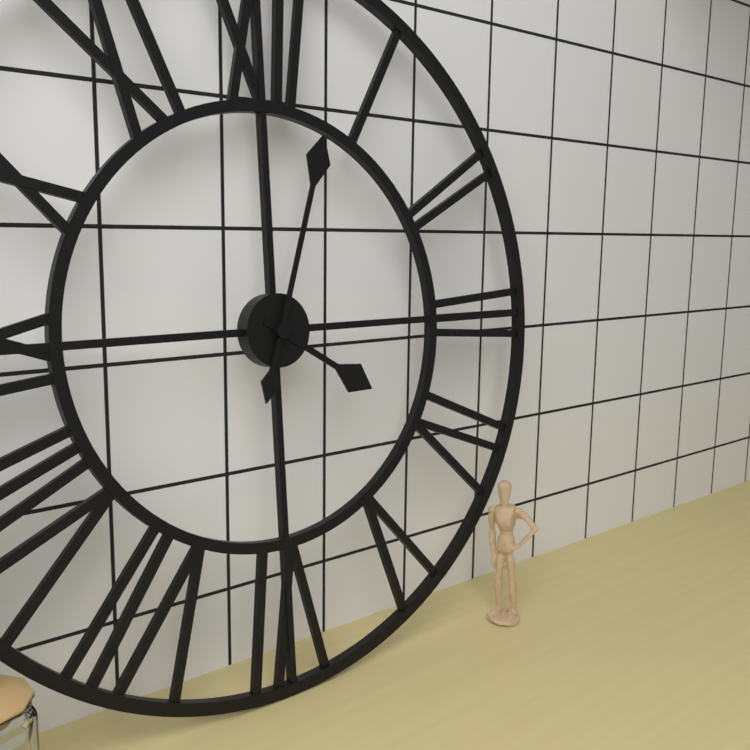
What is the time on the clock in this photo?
4:03
